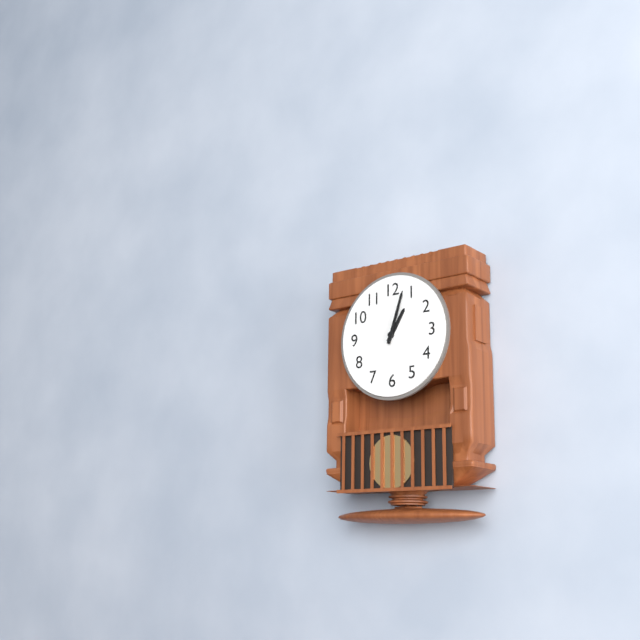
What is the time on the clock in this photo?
1:03
